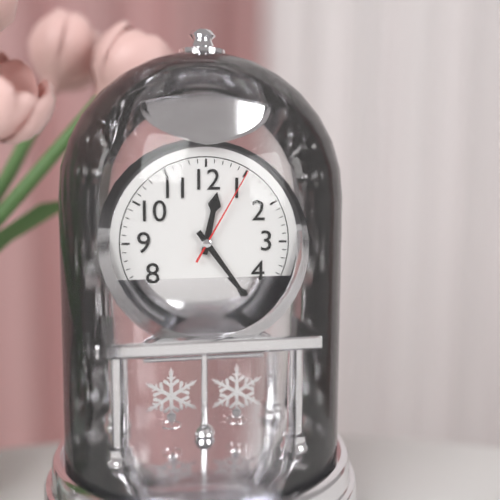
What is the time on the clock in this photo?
12:24:05
